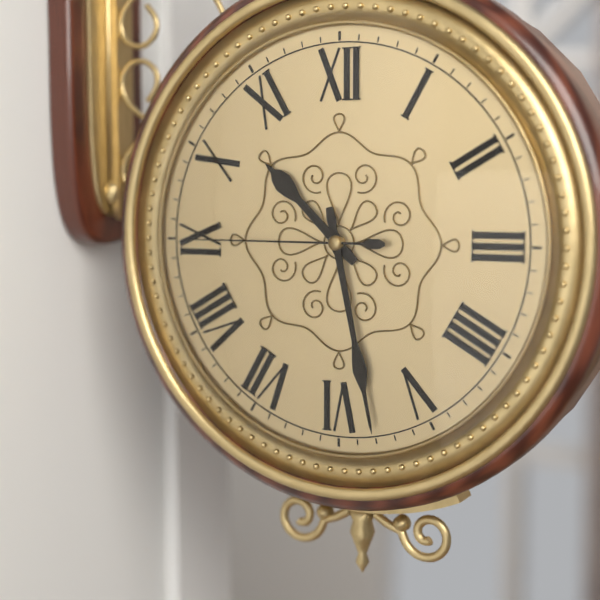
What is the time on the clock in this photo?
10:28:45
